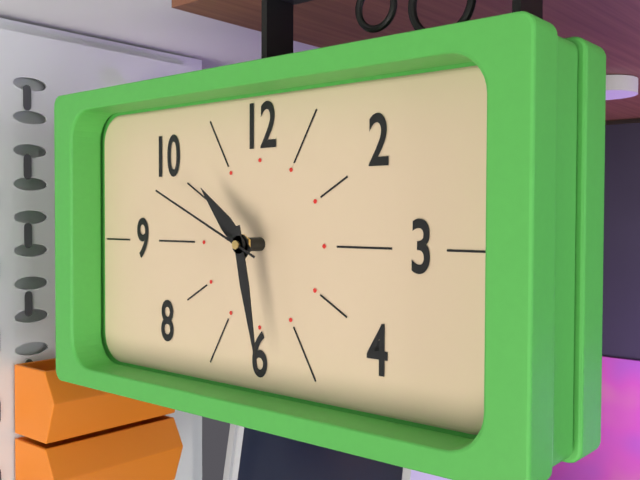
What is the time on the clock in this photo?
10:28:49
